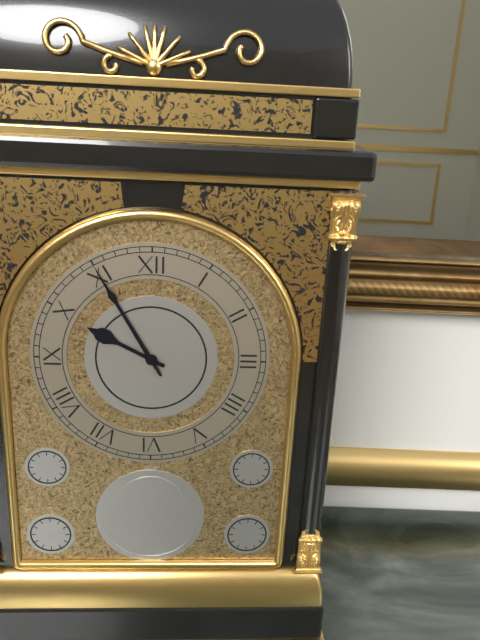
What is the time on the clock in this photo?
9:55
